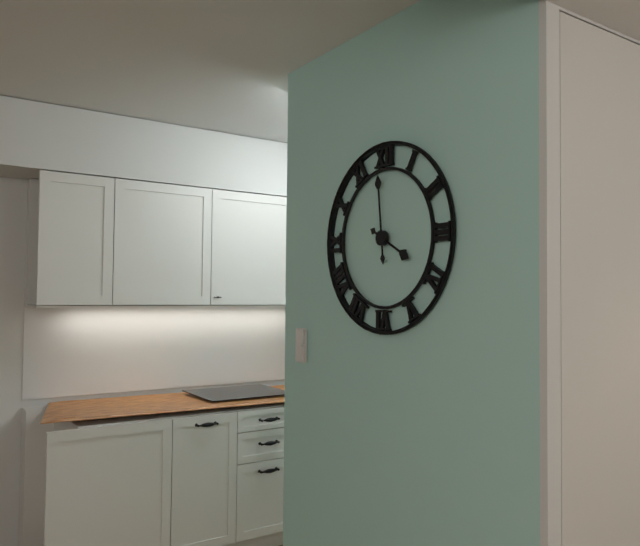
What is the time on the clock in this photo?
3:59
